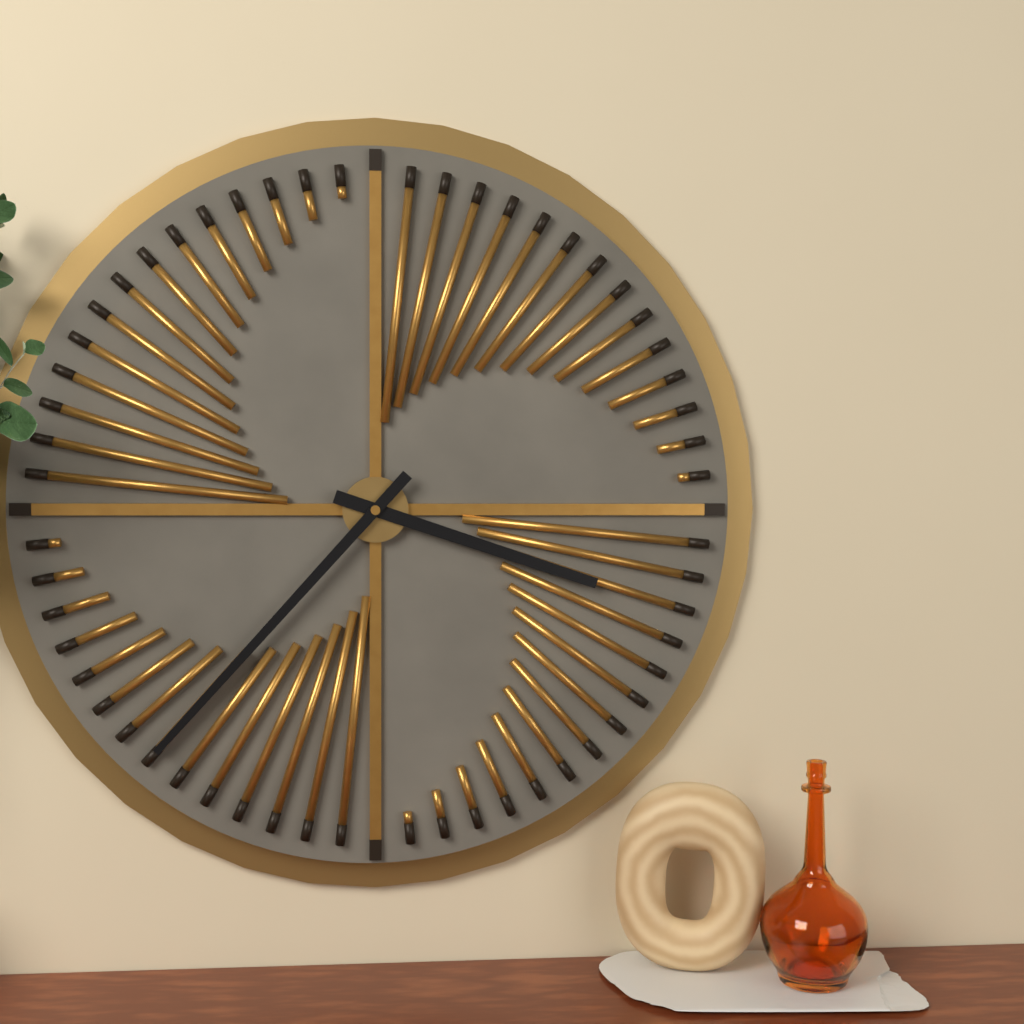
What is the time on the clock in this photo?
3:37
